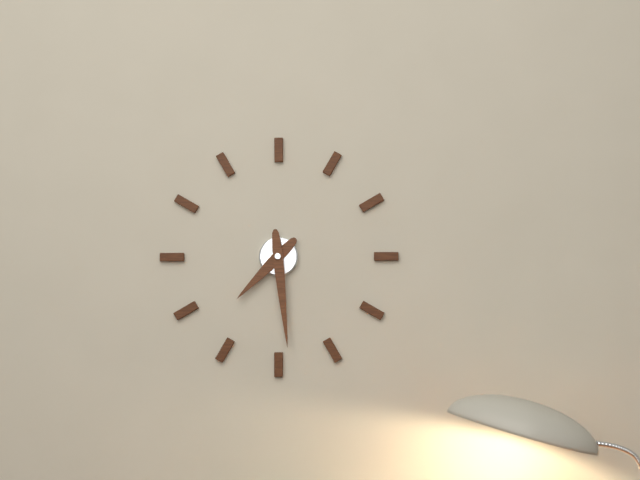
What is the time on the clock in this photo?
7:29
